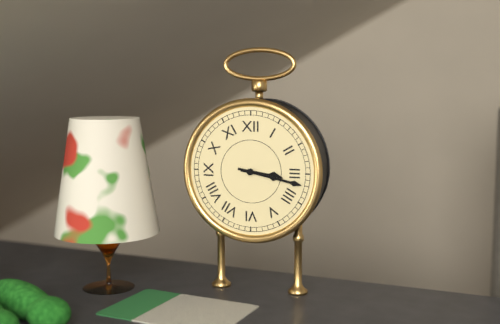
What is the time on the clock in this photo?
3:17
